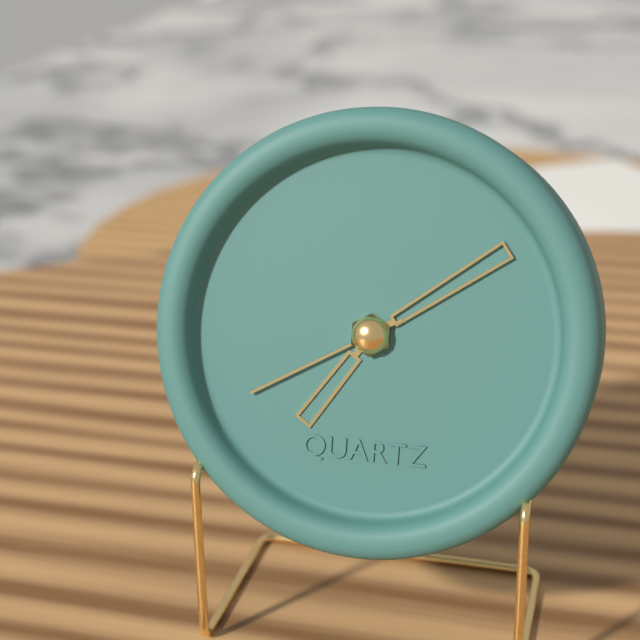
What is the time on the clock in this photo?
7:09:40
